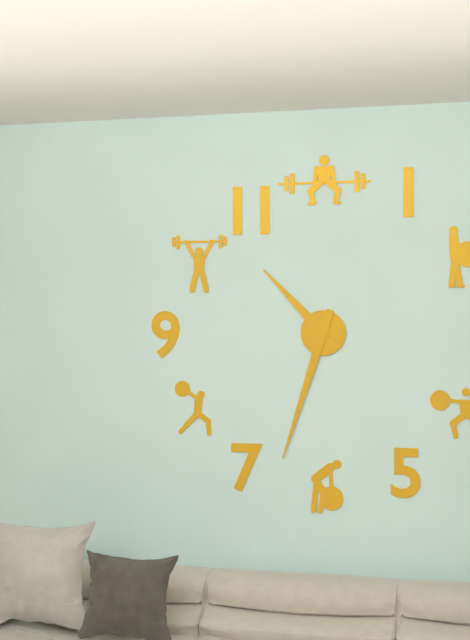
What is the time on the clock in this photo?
10:33
